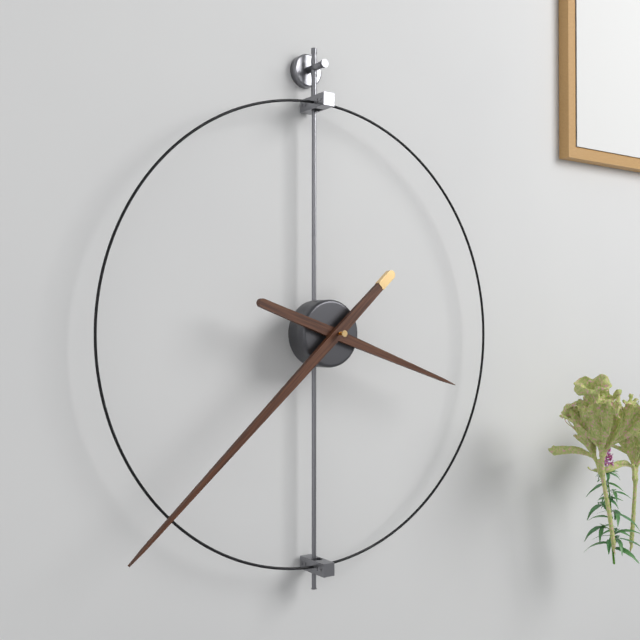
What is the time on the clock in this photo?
3:38
